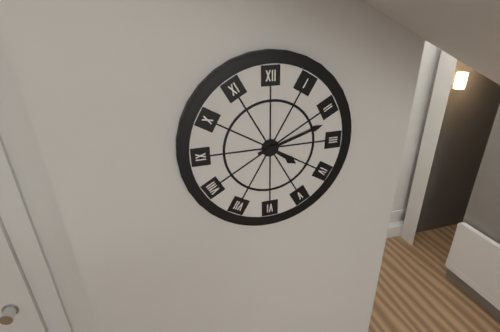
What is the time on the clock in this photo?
4:12
